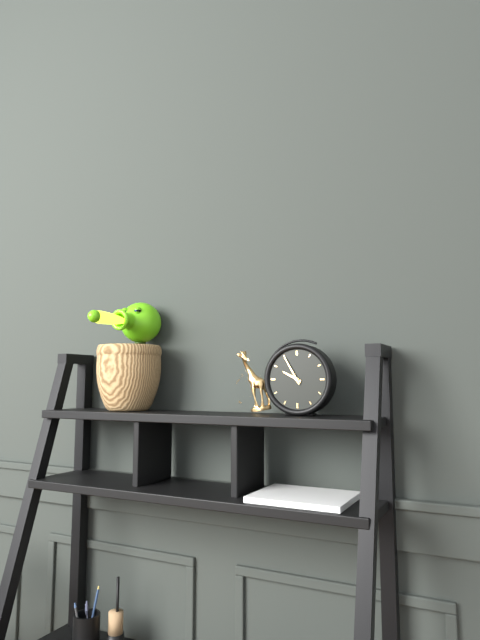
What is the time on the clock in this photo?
9:55
